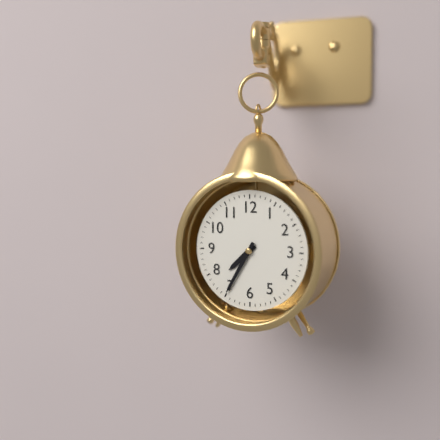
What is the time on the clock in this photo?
7:35
